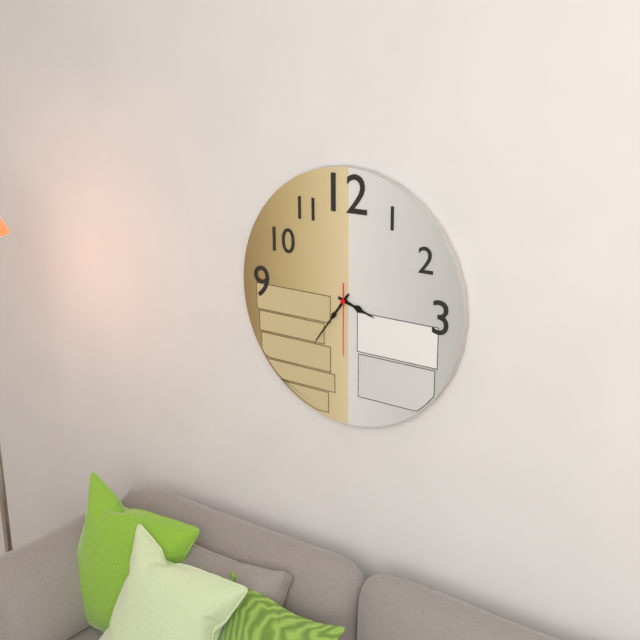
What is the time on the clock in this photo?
3:36:30
